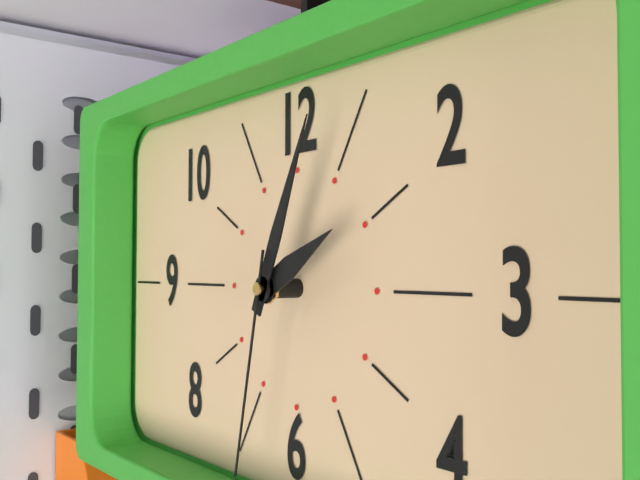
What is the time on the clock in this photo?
2:04:32
